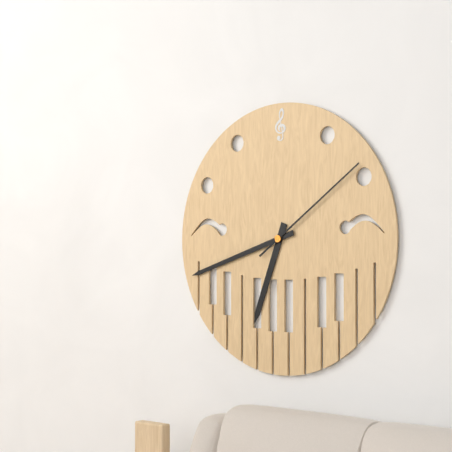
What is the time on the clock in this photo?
6:42:09
